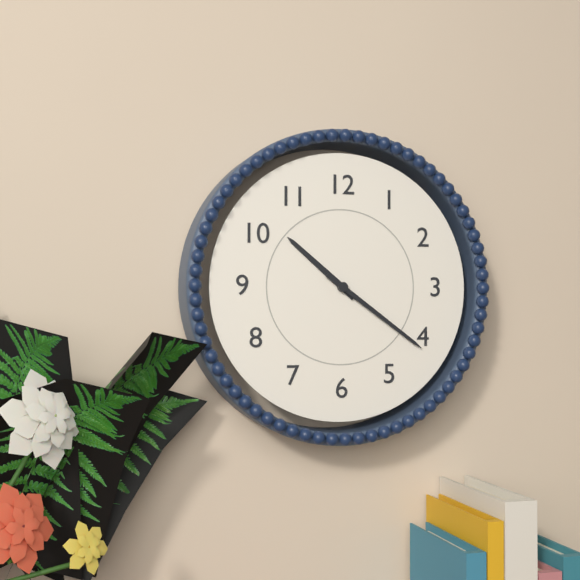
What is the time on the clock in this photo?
10:21
